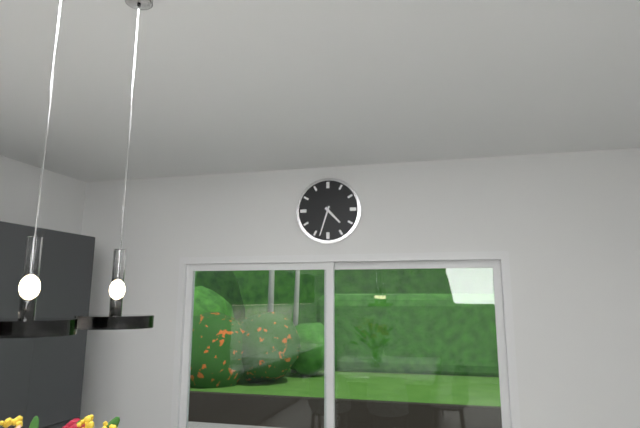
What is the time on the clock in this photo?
4:33
